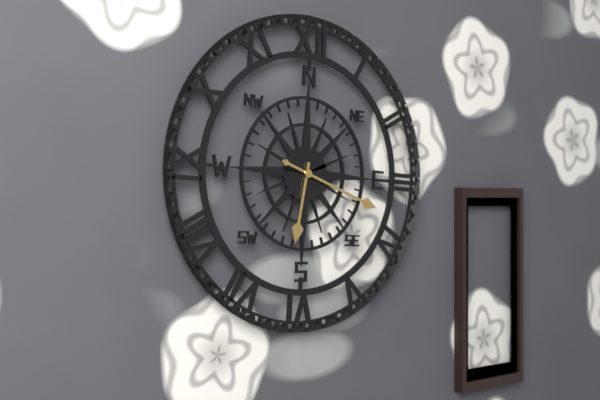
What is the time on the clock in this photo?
6:18
